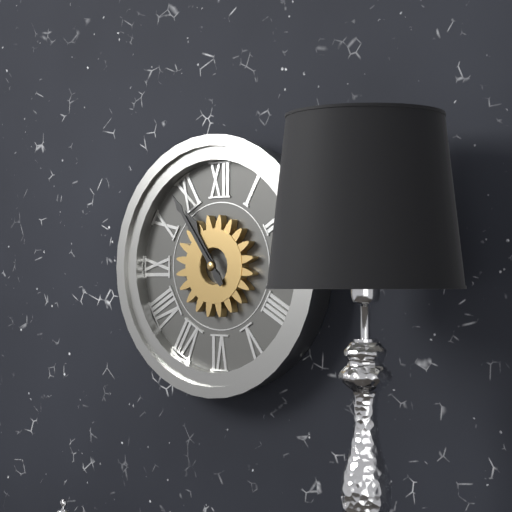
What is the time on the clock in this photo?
10:54
